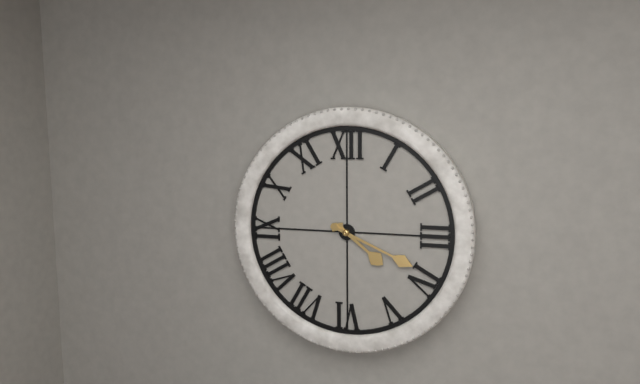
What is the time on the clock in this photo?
4:19
